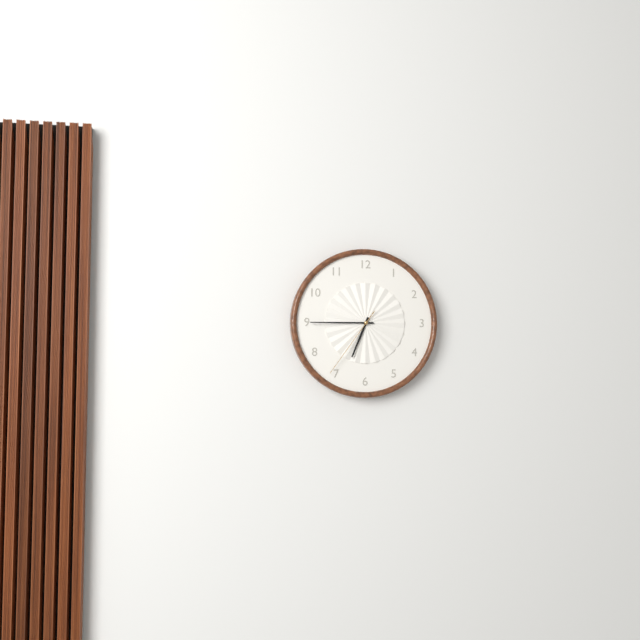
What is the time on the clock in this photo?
6:45:36
